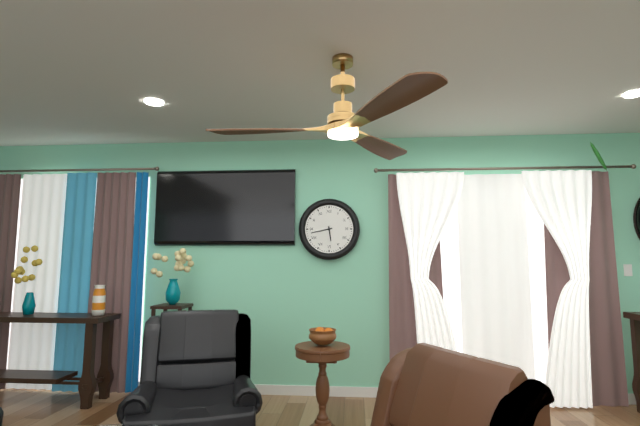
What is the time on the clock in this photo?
5:43
